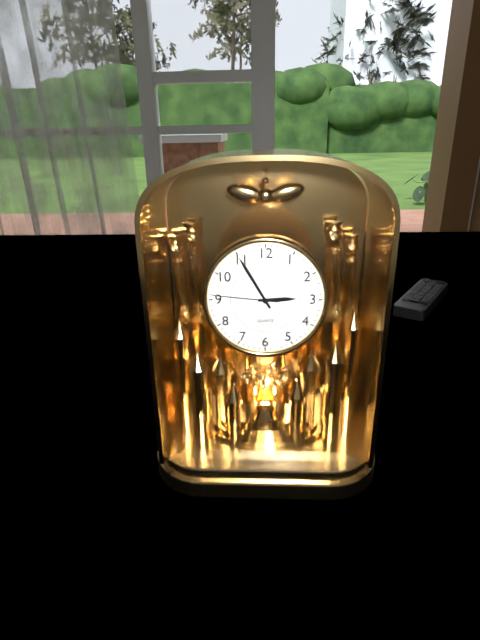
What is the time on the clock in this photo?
2:55:46
